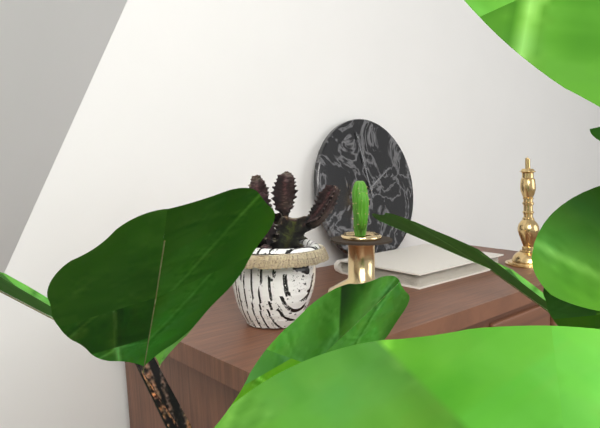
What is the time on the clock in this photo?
1:58
